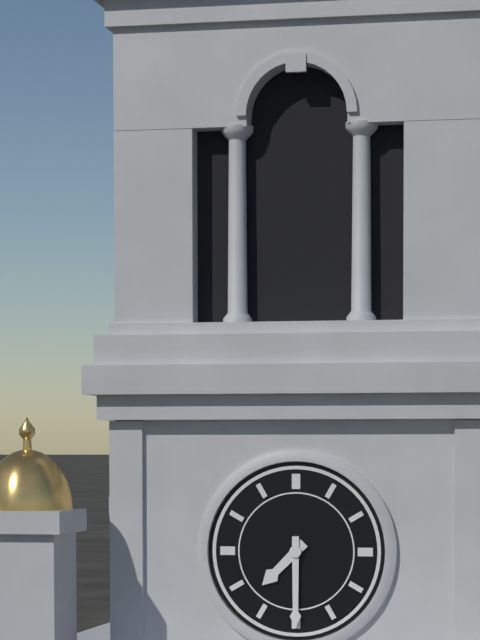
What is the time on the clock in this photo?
7:30
